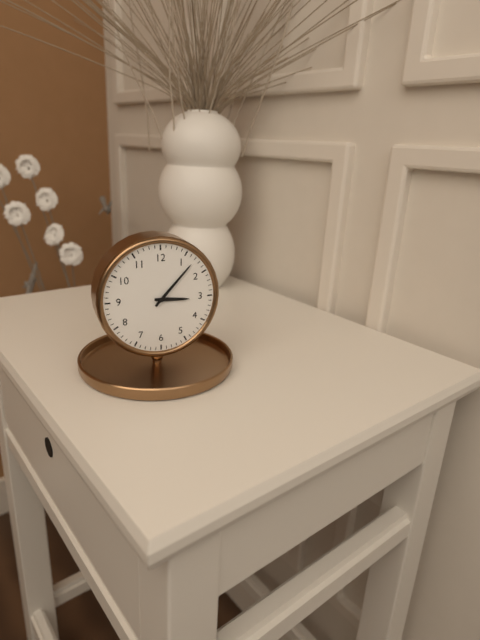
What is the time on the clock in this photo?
3:07
